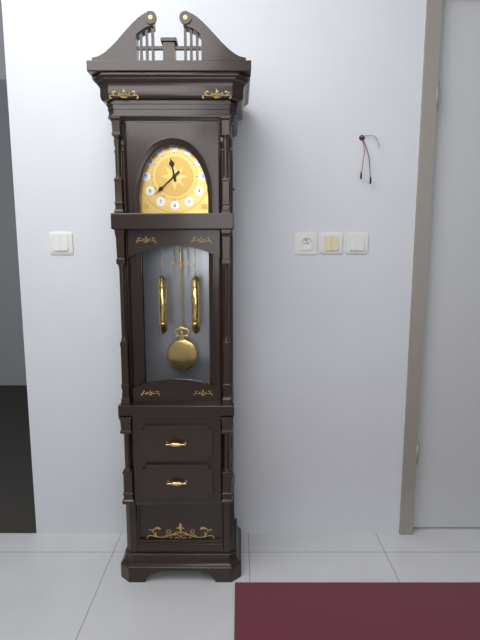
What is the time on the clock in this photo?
11:38
